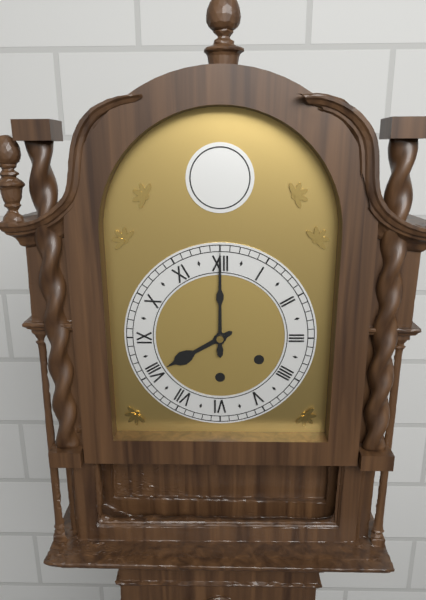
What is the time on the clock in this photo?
8:00
